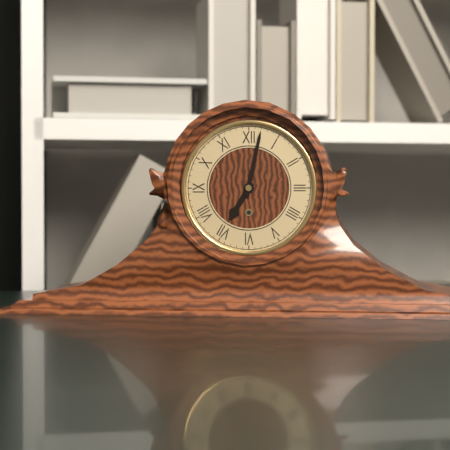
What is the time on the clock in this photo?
7:02
